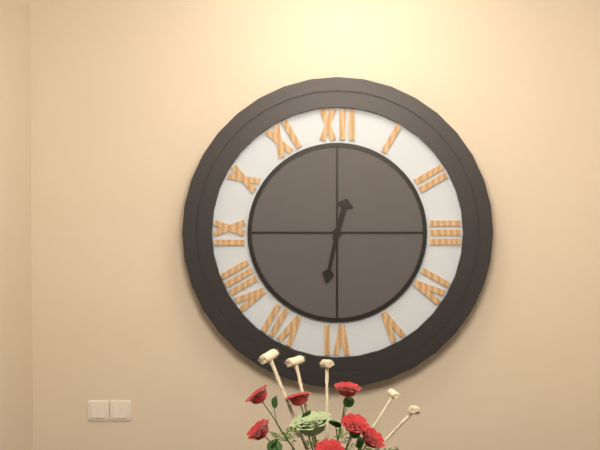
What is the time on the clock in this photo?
12:32
